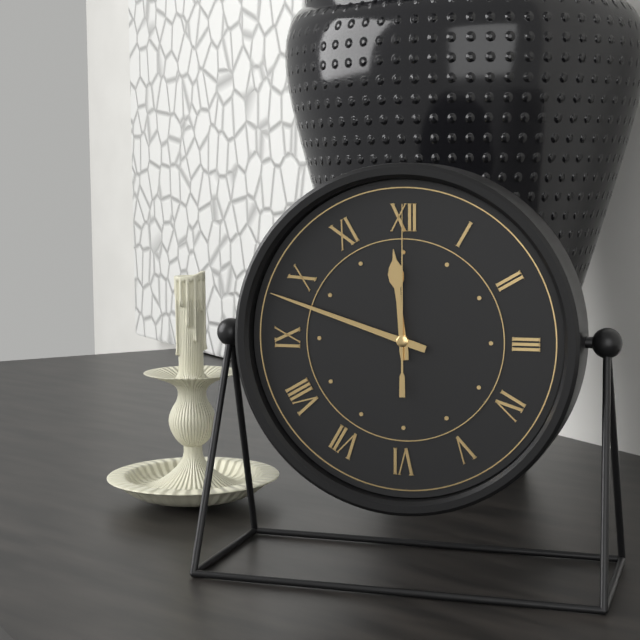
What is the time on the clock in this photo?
11:48:00
